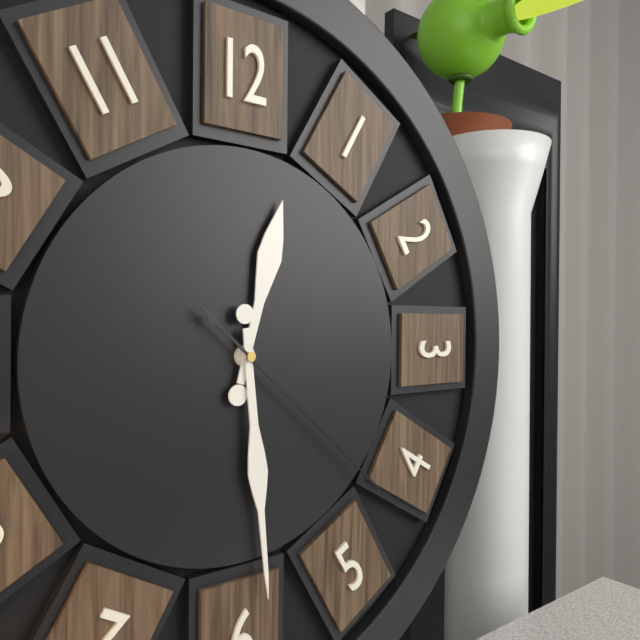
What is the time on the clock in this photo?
12:29:22
